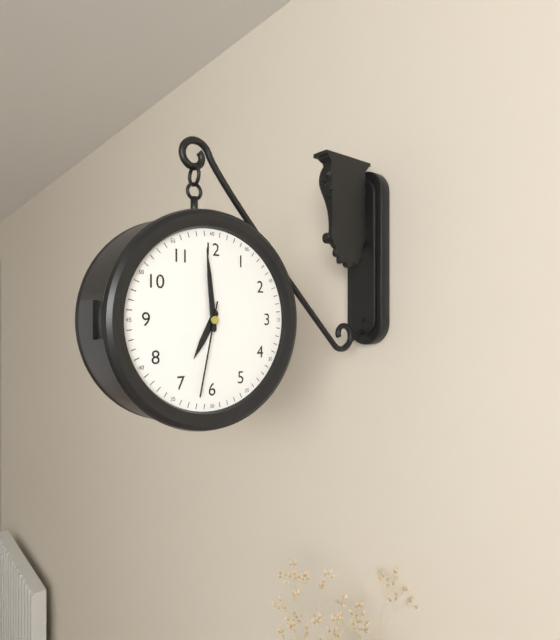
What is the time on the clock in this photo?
6:59:32
